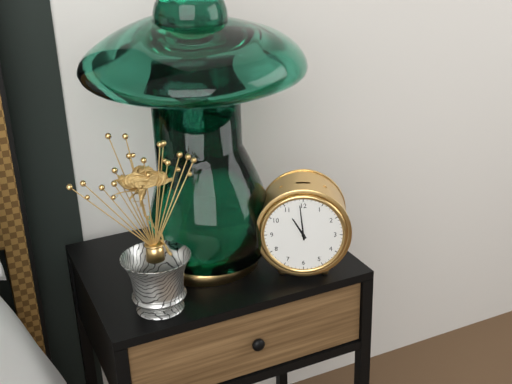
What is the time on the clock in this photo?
10:59
